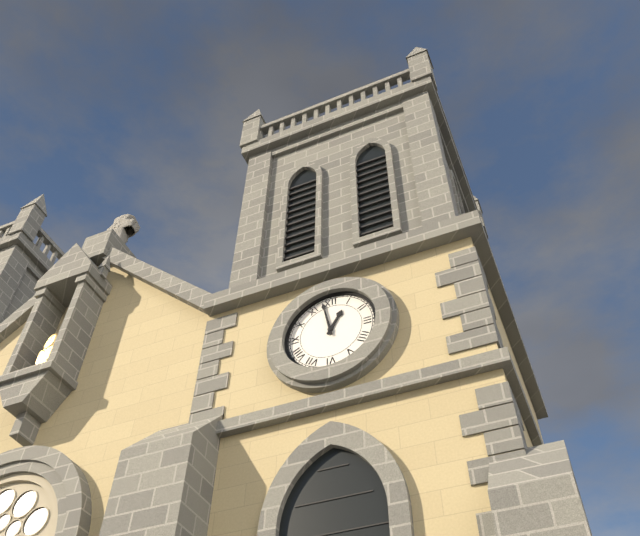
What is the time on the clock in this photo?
12:58
